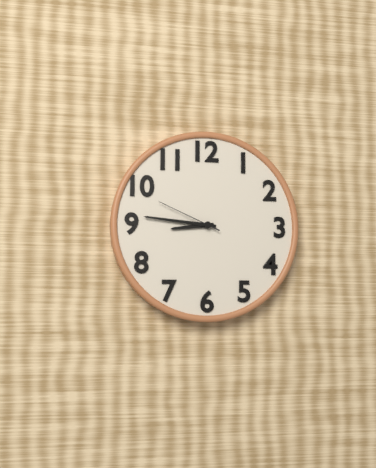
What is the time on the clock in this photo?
8:46:49
